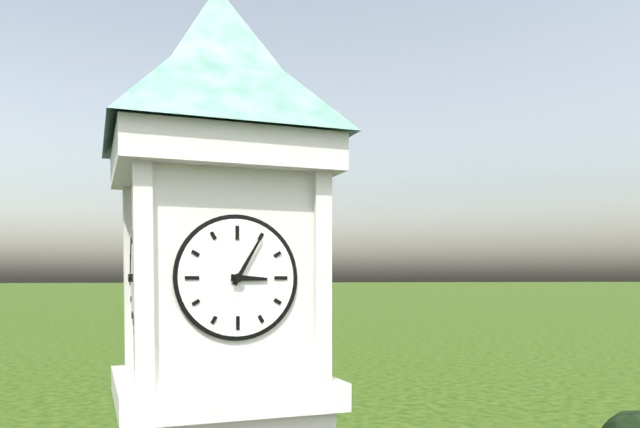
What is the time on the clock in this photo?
3:05
